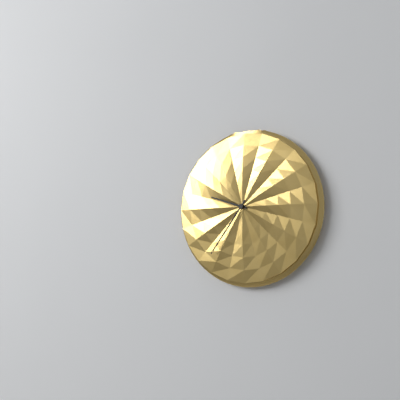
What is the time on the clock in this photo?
9:36
